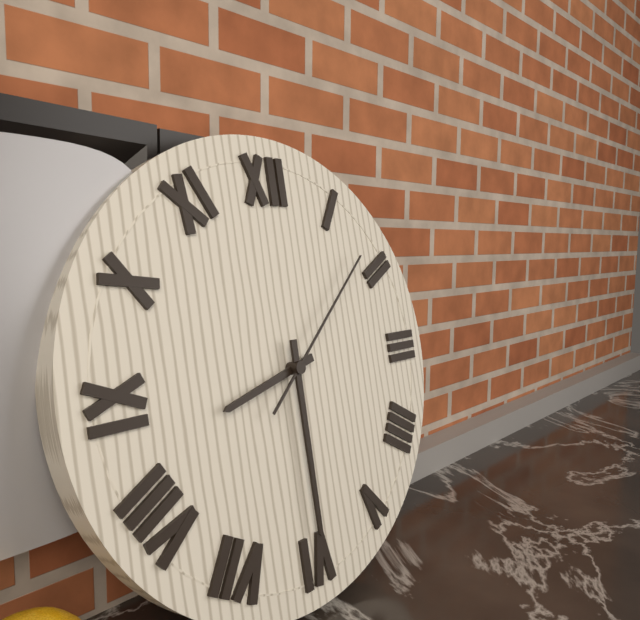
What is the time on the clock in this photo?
8:30:08
